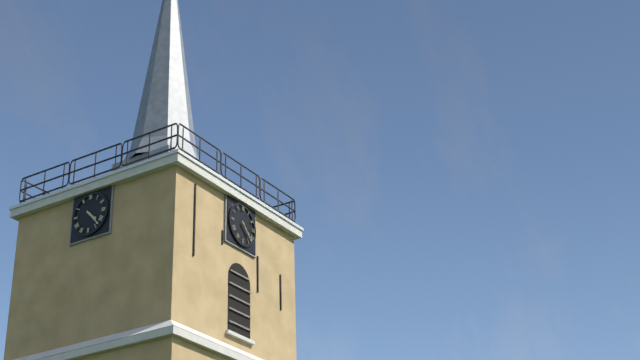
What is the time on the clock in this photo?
4:23
